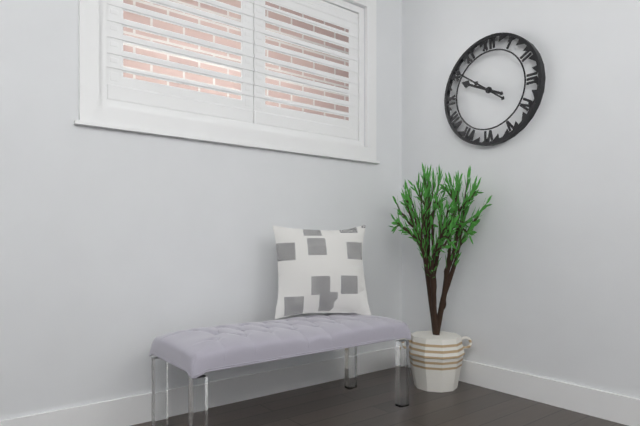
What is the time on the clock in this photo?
9:51
